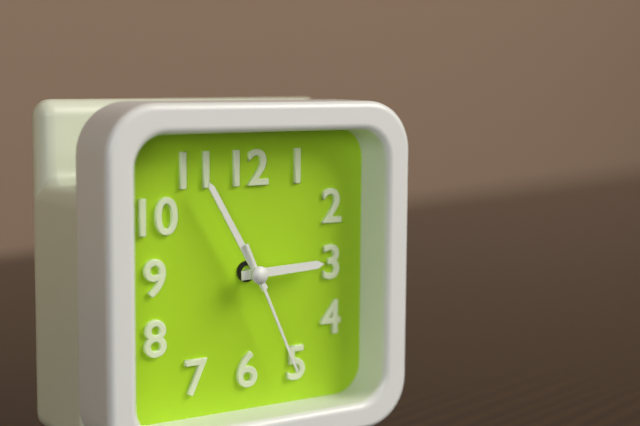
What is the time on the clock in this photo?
2:55:26
